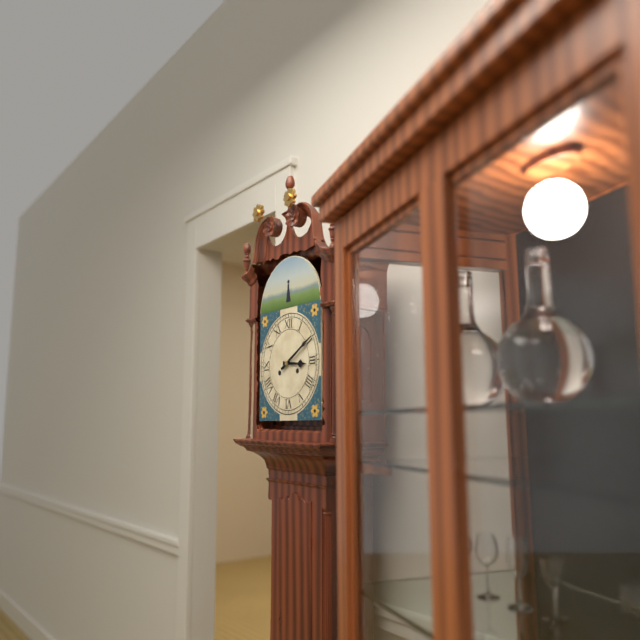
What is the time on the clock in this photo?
3:10
